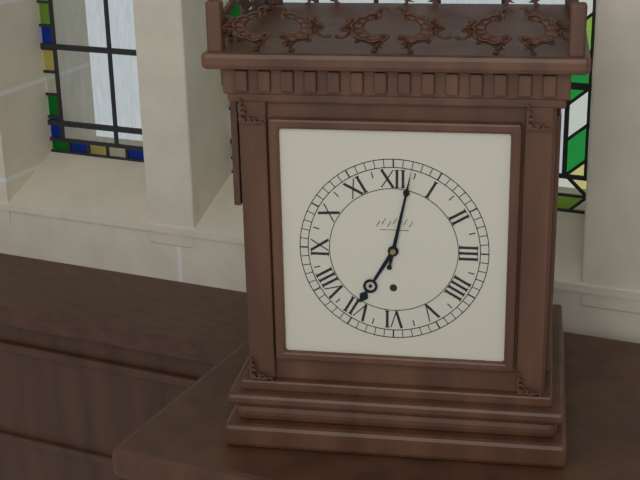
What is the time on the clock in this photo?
7:02
